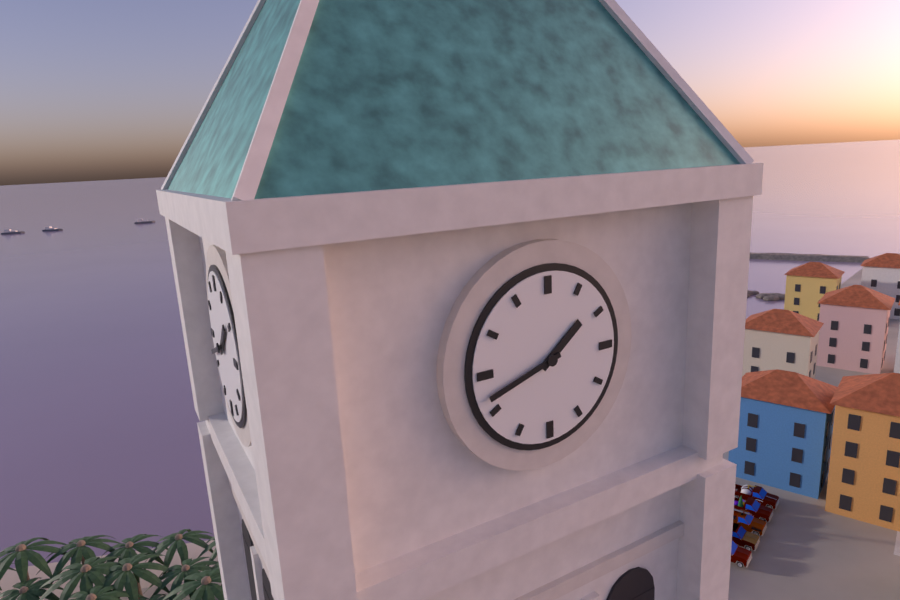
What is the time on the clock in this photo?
1:42
